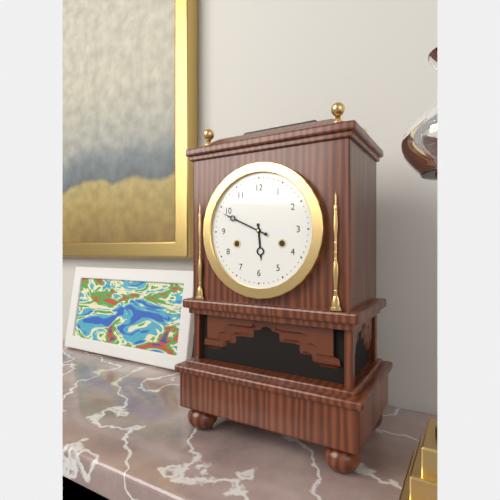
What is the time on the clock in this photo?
5:49
